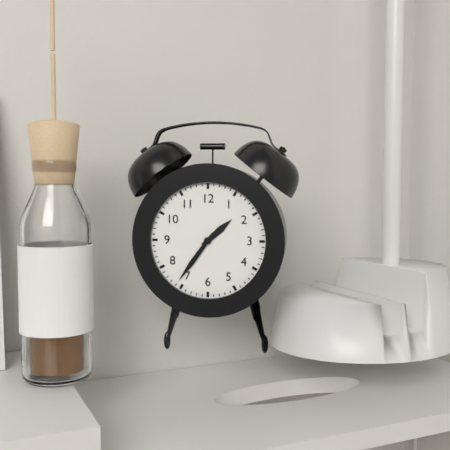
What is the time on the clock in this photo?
1:36
